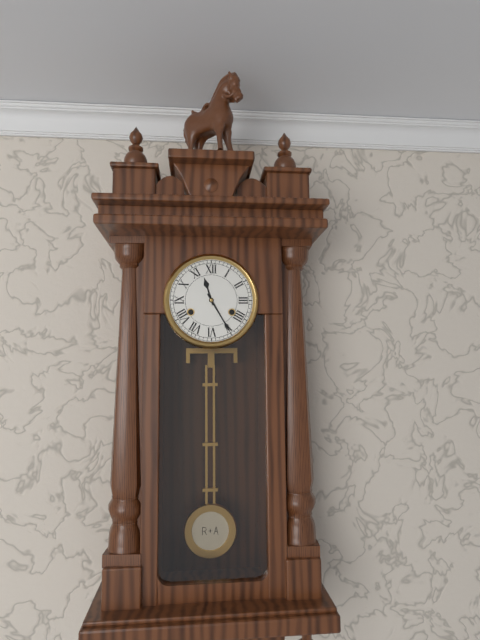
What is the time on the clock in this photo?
11:25
